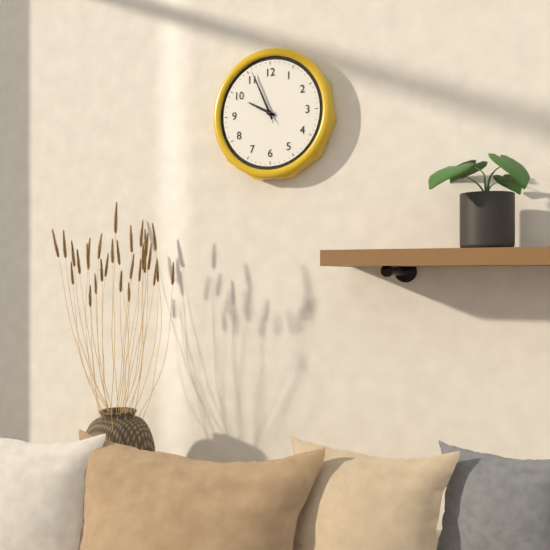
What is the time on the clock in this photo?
9:56:56
